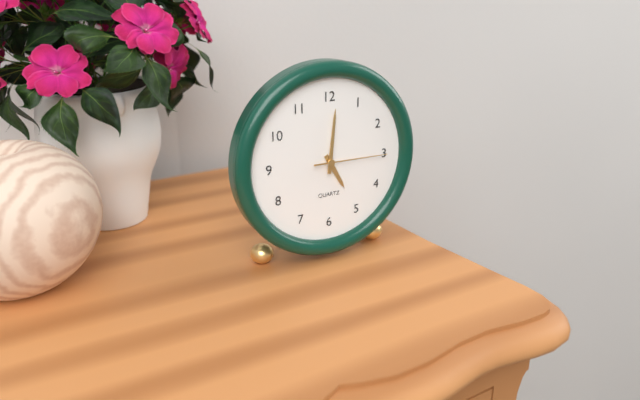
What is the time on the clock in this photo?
5:01:15
